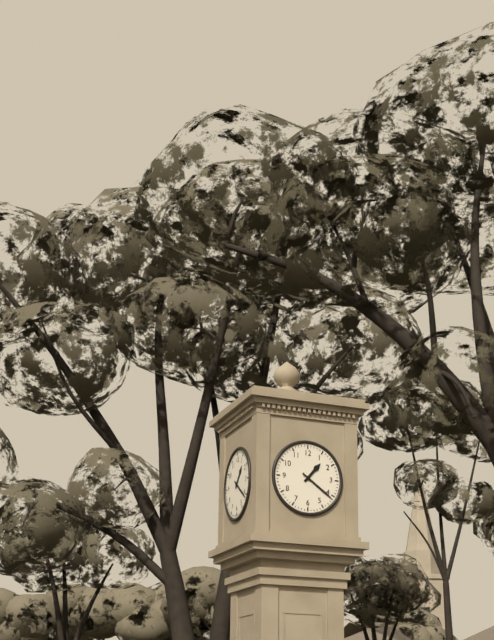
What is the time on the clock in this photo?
1:21
